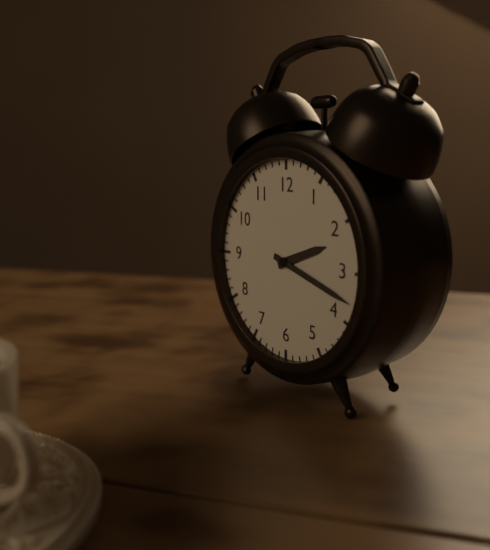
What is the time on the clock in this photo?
2:18
